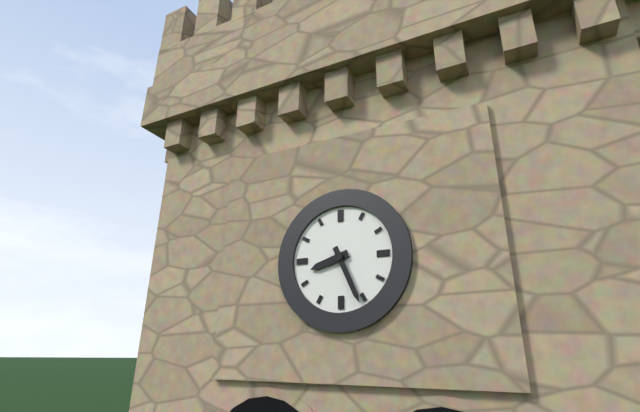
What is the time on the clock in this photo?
8:26
